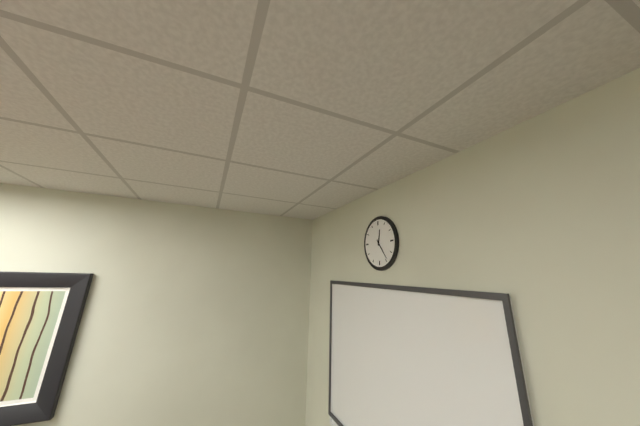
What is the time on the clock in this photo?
12:24
